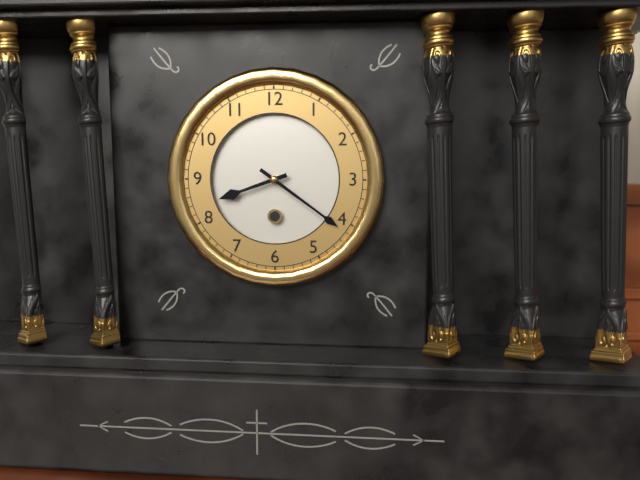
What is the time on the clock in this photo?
8:21
